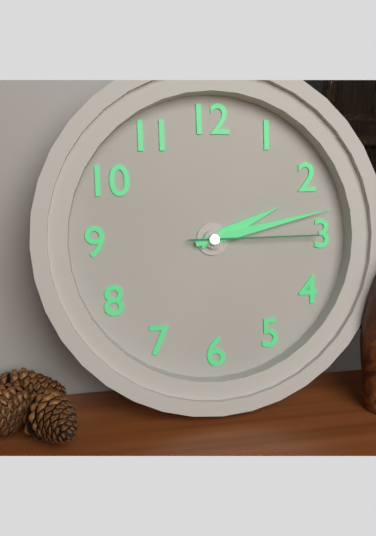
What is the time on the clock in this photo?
2:13:15
